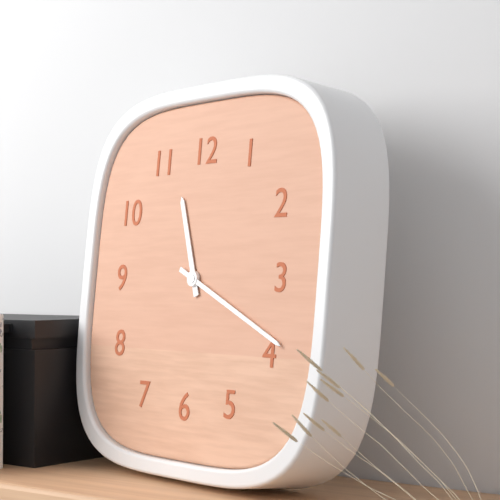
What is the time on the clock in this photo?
11:19
